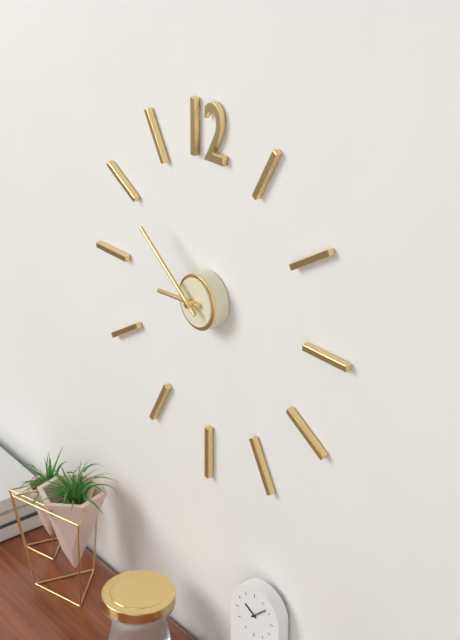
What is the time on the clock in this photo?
8:51
